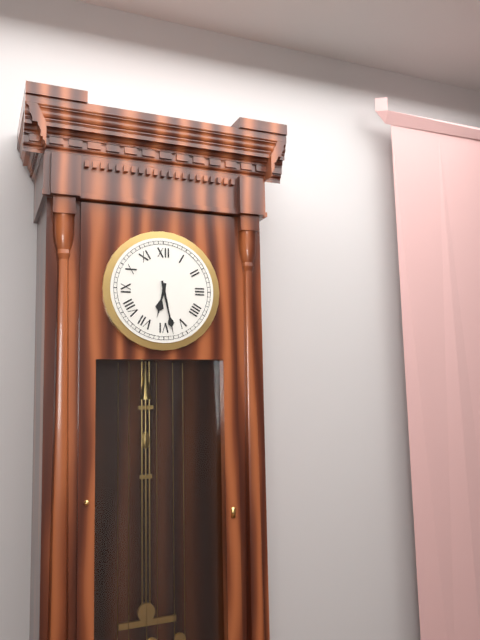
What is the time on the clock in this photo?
6:28
